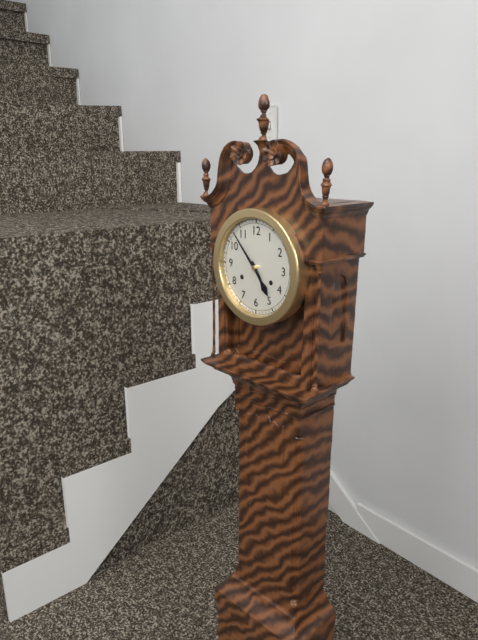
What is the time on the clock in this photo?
4:53
